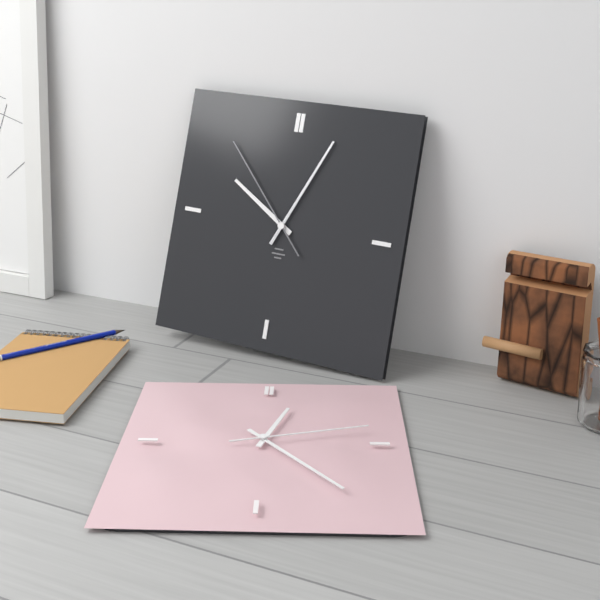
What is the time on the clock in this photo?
10:04:53
